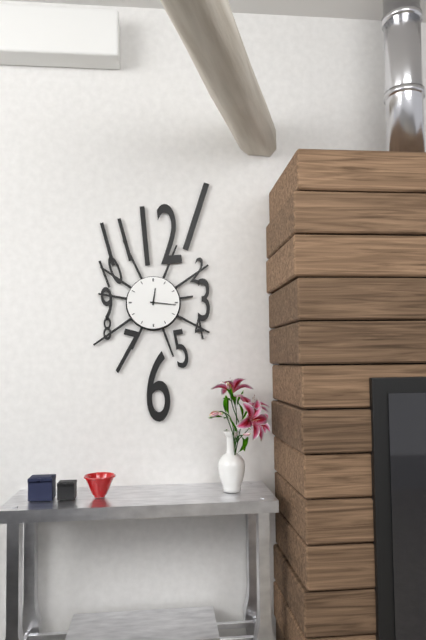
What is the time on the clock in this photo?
12:16
